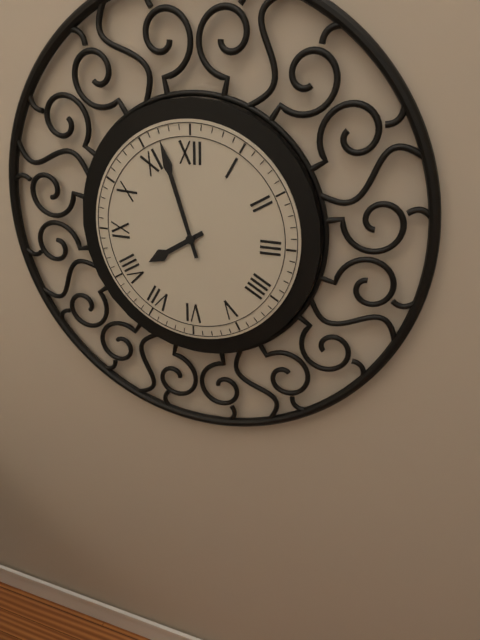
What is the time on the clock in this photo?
7:57
